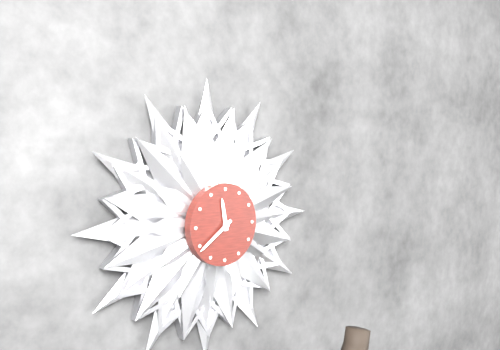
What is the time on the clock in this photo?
11:39
